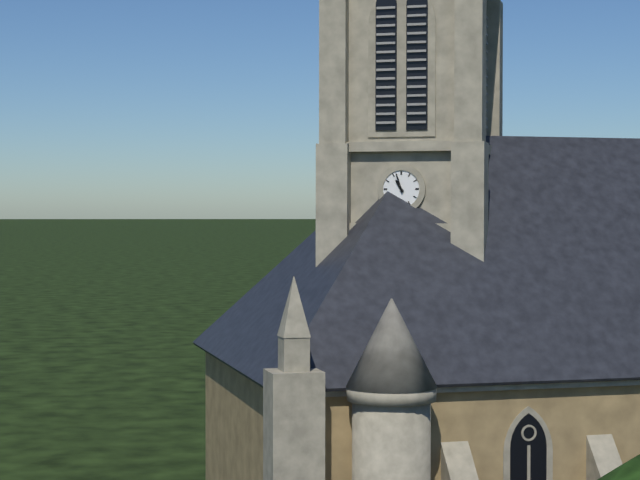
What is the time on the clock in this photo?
10:57
